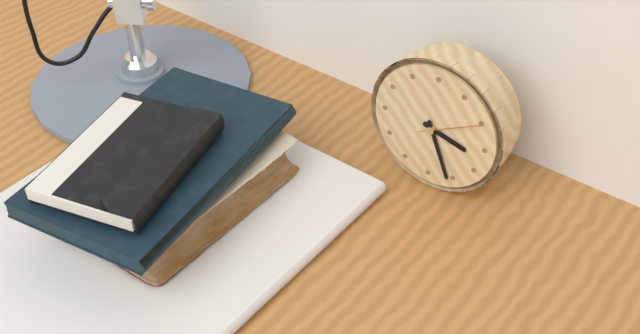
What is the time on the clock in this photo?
3:26:10
